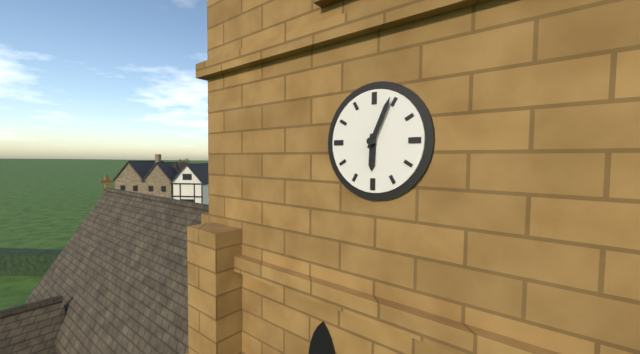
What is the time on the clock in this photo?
6:04
